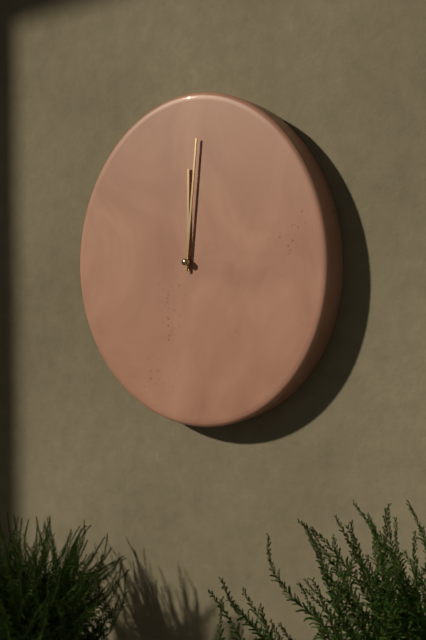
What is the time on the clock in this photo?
12:01
